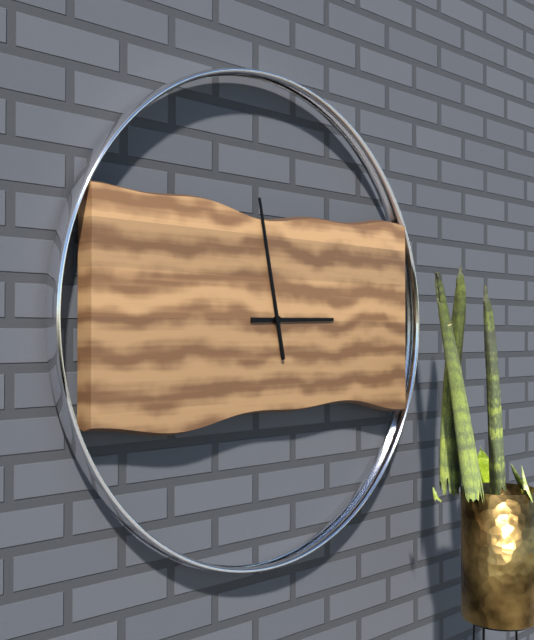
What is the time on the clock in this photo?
2:58
